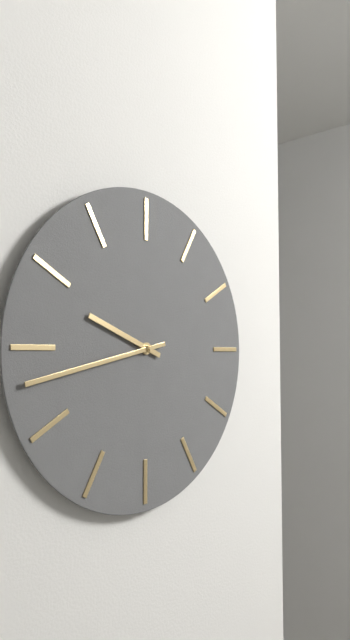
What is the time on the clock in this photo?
9:43
